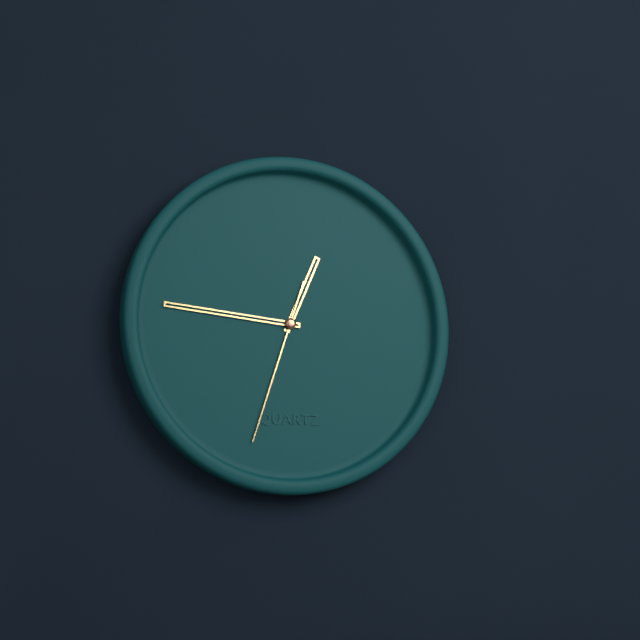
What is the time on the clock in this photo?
12:46:33
